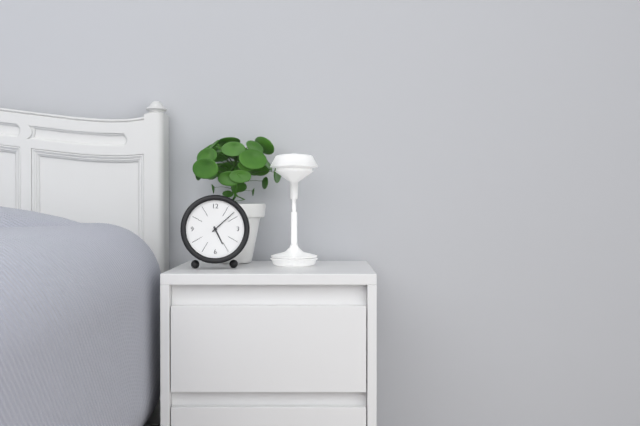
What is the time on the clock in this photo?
5:08
